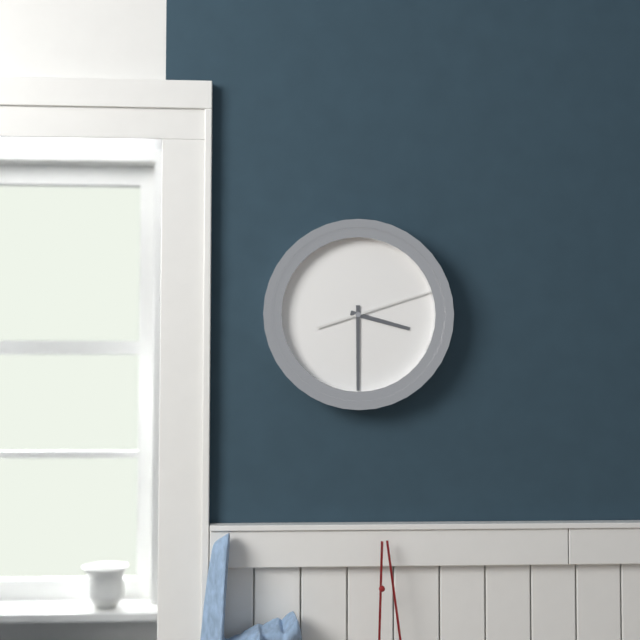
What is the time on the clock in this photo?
3:30:12
